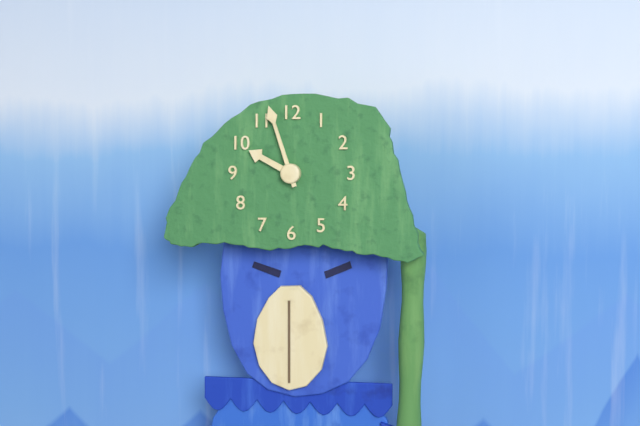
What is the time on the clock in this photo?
9:57
